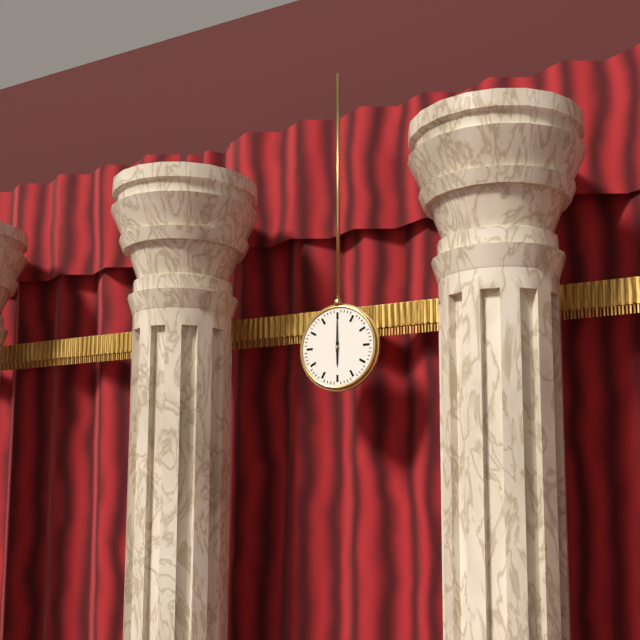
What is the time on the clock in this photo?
6:00
